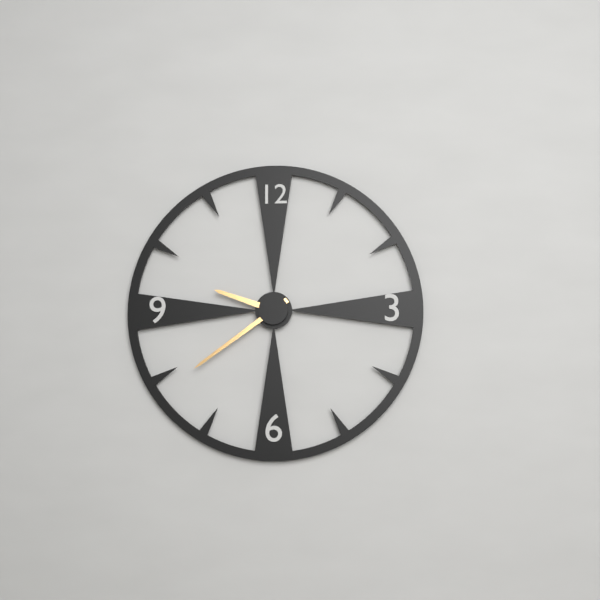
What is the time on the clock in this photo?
9:39
